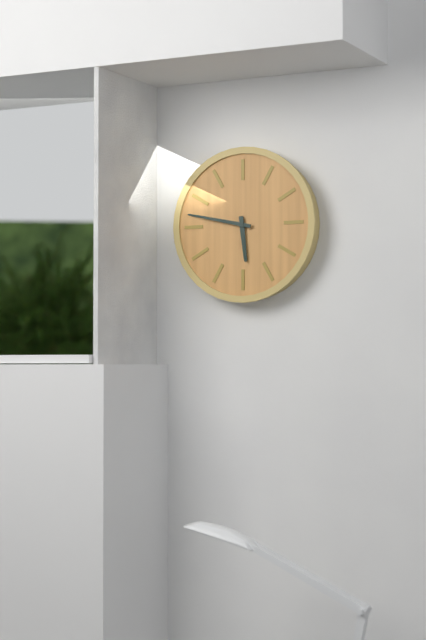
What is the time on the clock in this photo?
5:47
